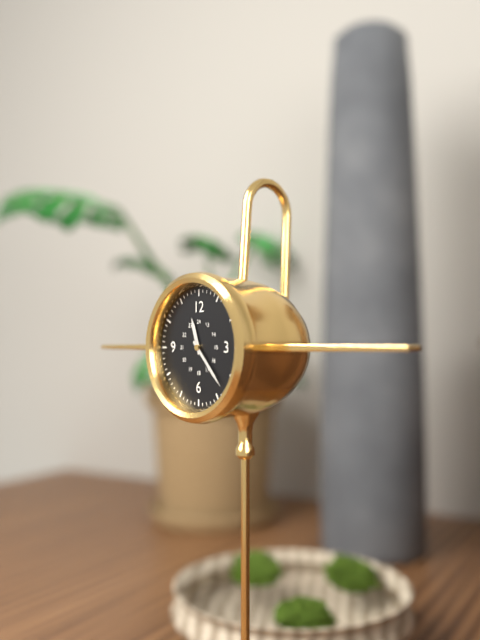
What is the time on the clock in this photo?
11:23
